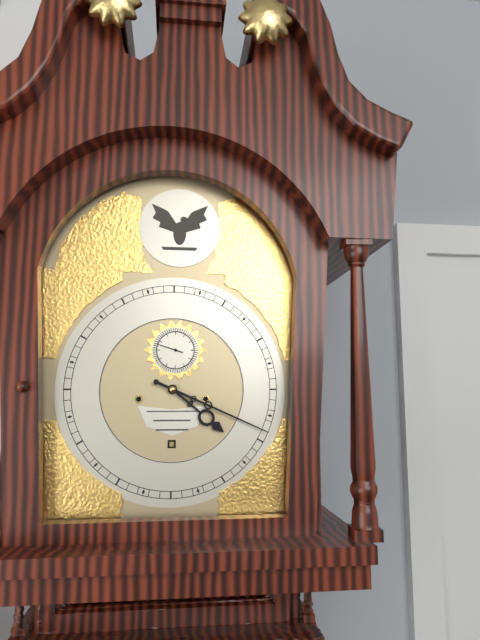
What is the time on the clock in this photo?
4:19
